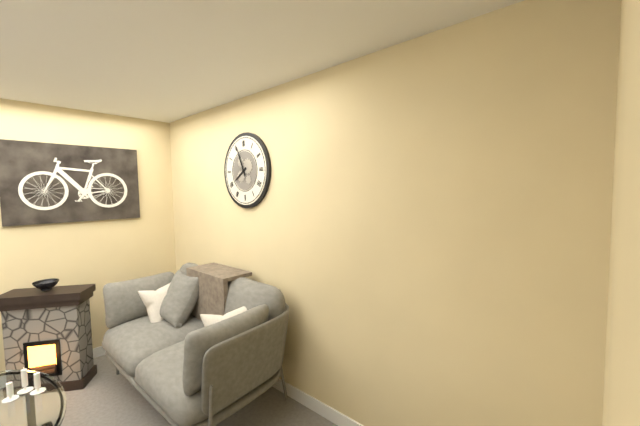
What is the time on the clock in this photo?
7:56
